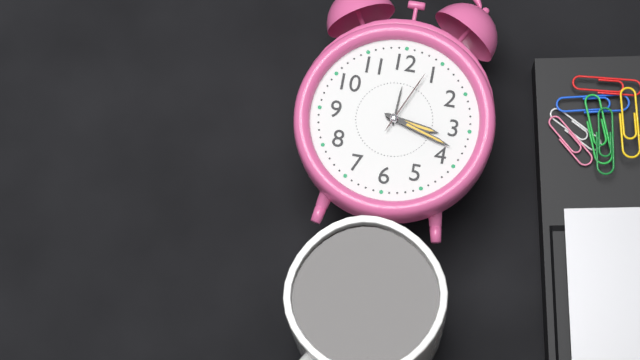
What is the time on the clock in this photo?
3:18:04
